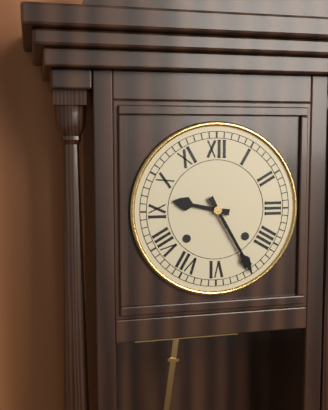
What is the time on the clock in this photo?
9:25
